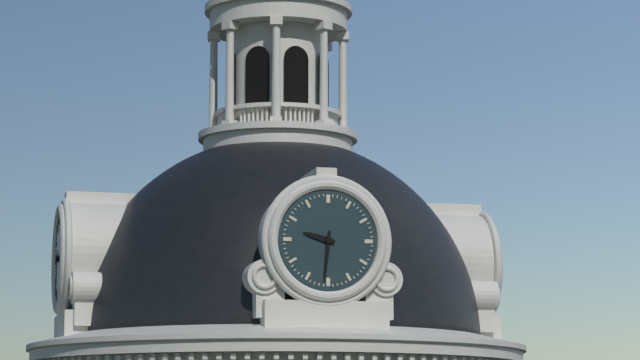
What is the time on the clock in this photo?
9:31
